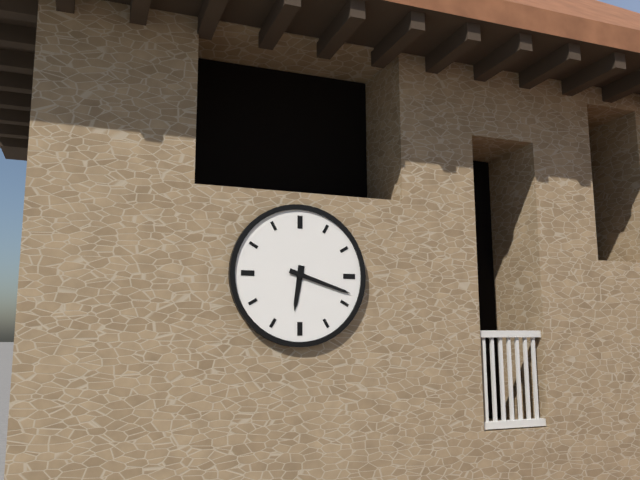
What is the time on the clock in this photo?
6:18
